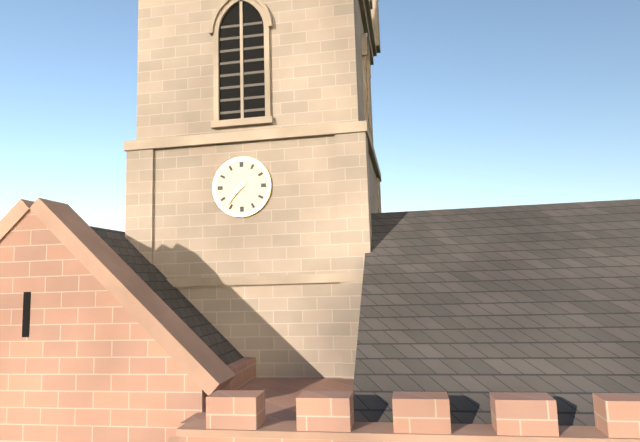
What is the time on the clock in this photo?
7:37
